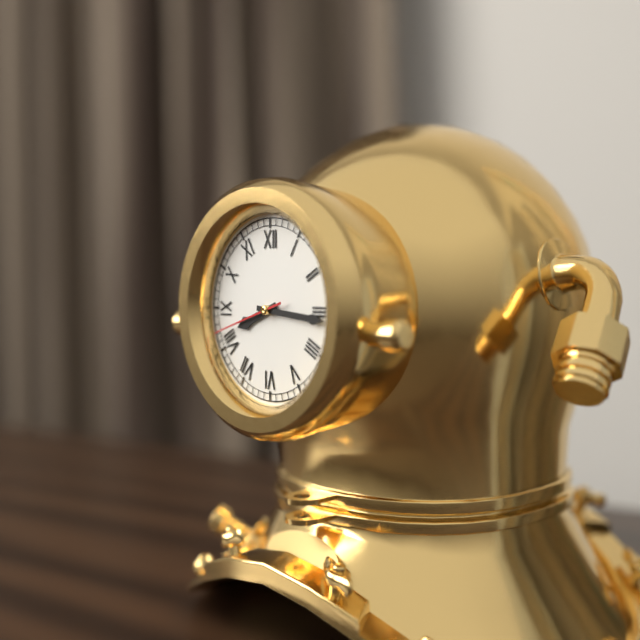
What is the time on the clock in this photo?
8:16:42
